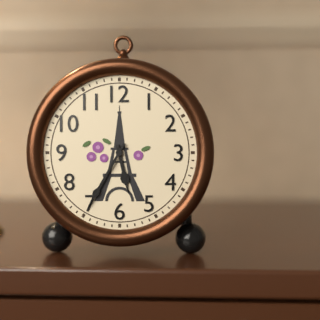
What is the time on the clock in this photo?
5:35
